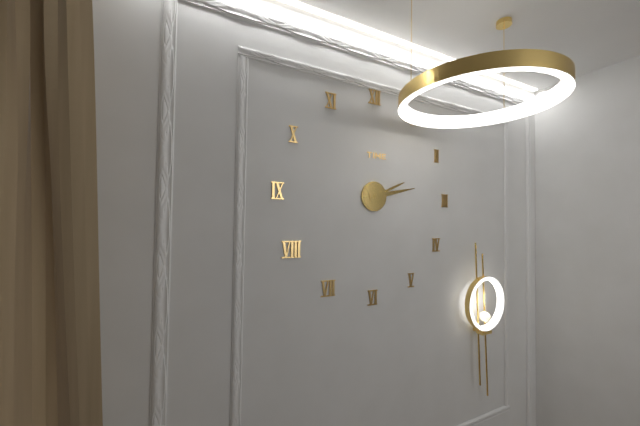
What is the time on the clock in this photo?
2:13
